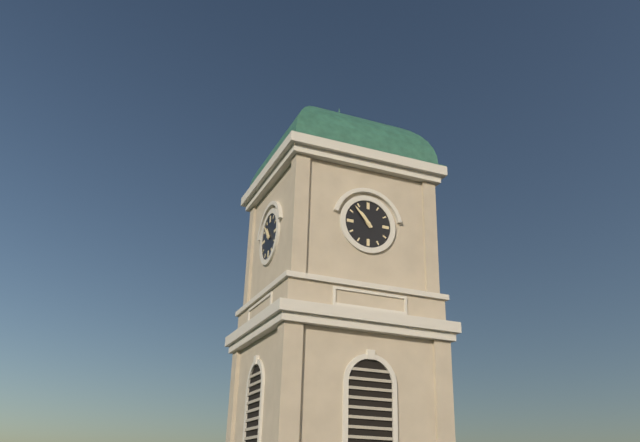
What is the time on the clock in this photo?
10:53
